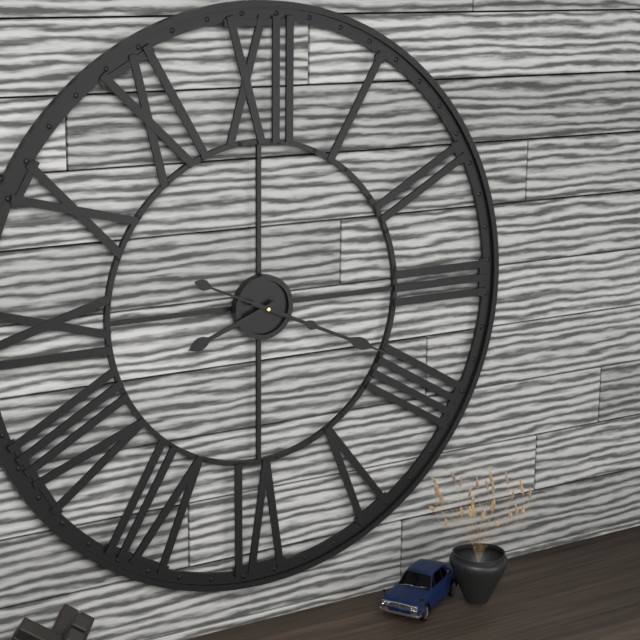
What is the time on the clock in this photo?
8:19:49
